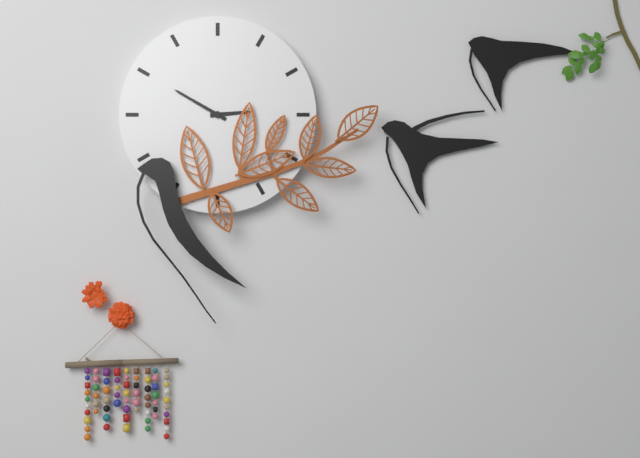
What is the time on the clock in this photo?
2:50
